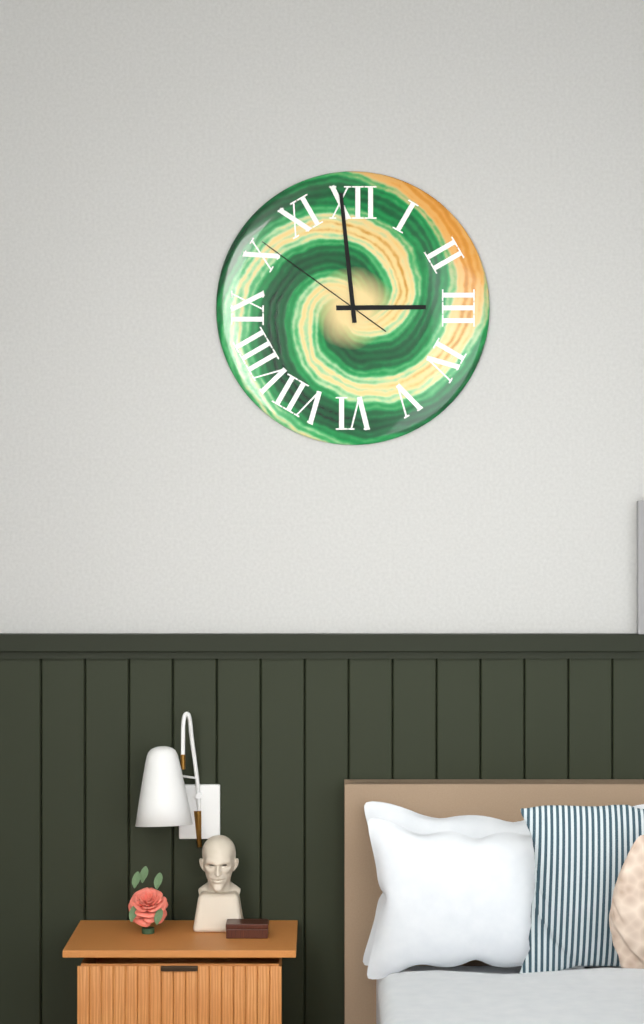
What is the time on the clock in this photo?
2:59:51
